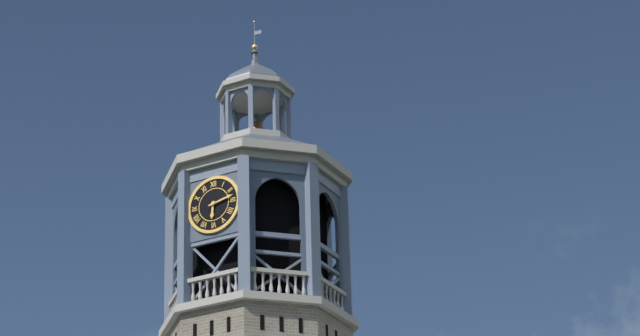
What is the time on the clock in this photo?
6:13
